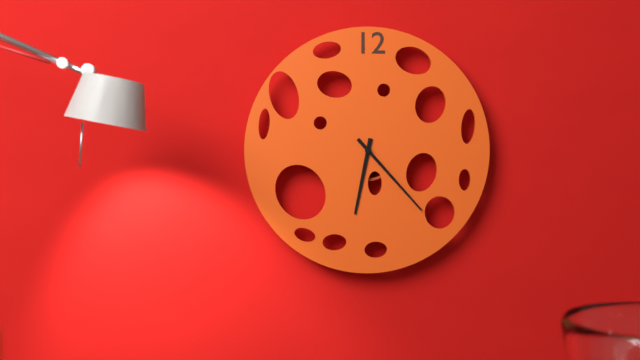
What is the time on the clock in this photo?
6:23
